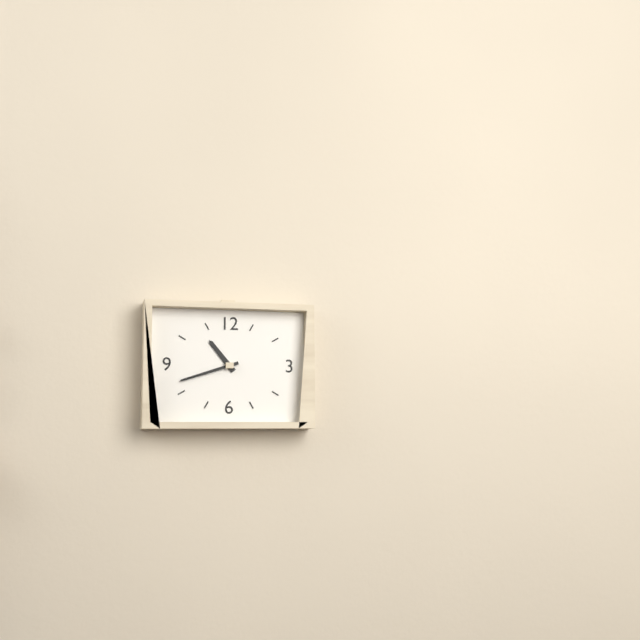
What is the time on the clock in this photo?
10:42
